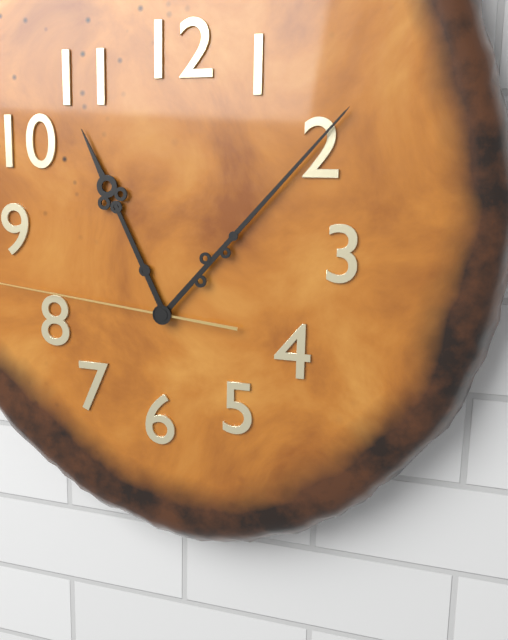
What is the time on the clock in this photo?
11:07
